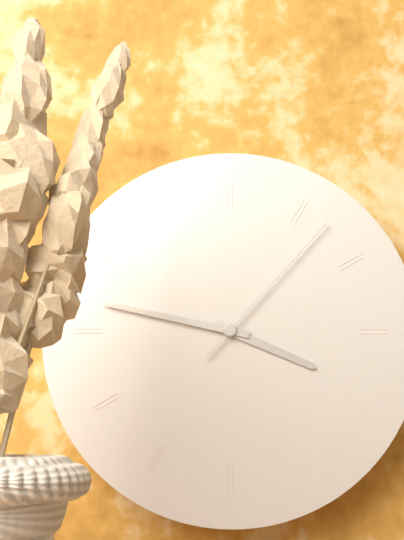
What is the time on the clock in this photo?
3:47:07
